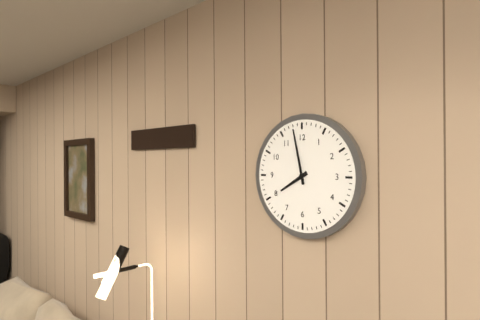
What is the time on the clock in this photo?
7:58
